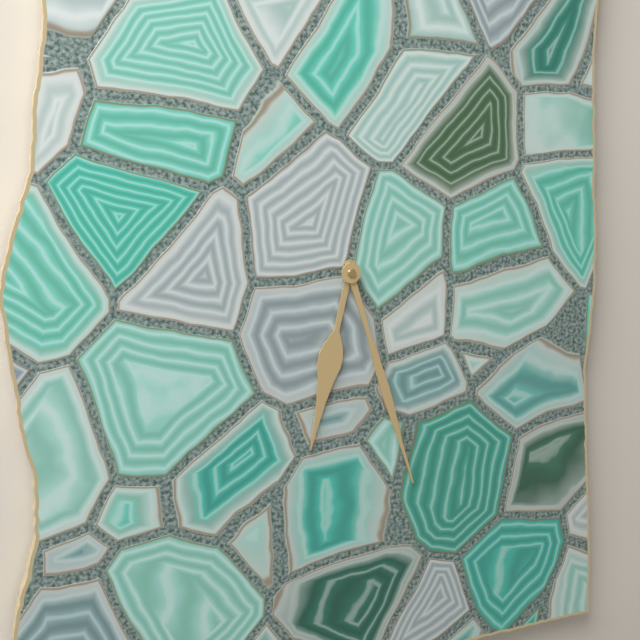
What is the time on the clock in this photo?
6:27
